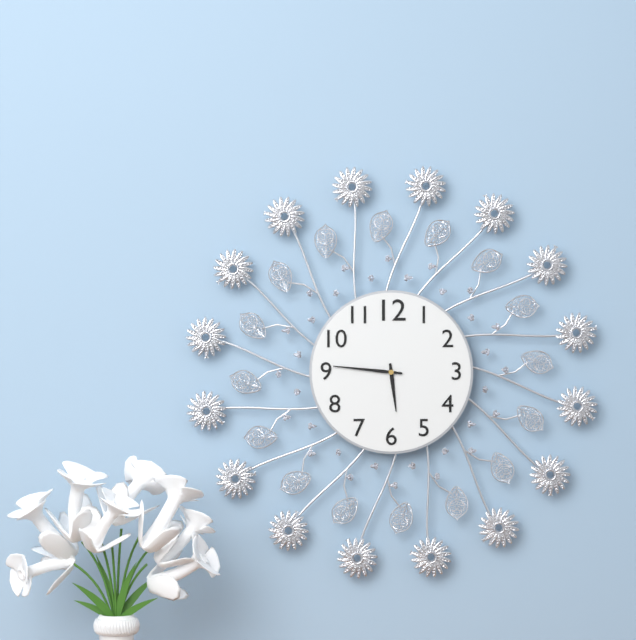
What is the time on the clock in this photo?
5:46
